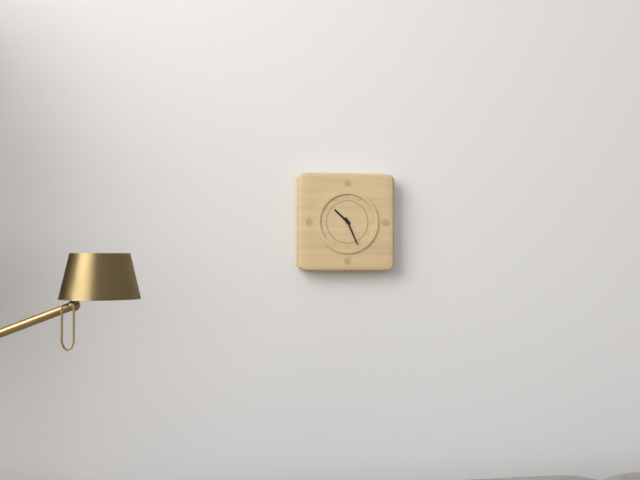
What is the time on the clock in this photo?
10:26
